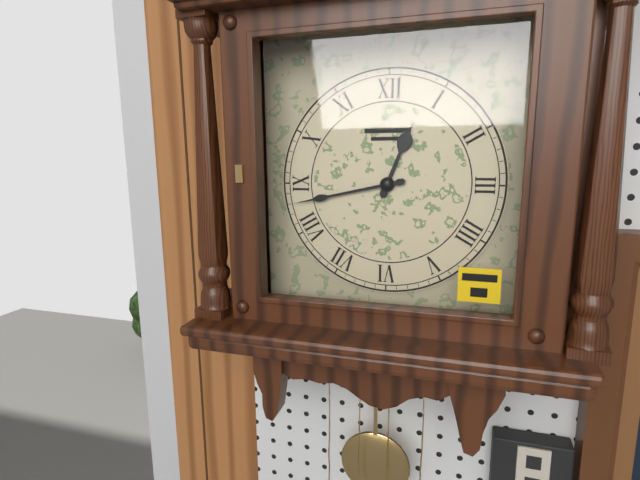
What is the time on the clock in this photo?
12:43
